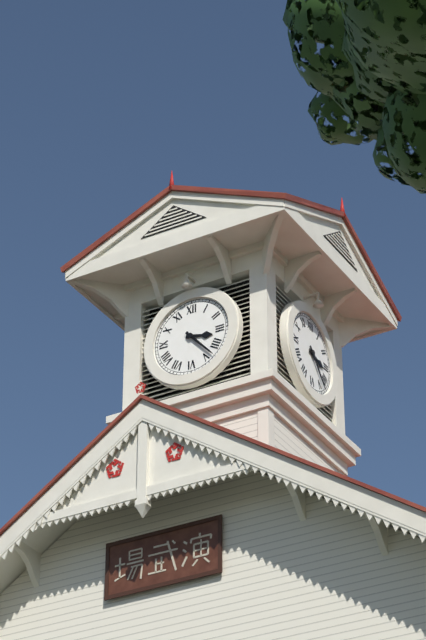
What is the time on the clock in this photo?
3:23
